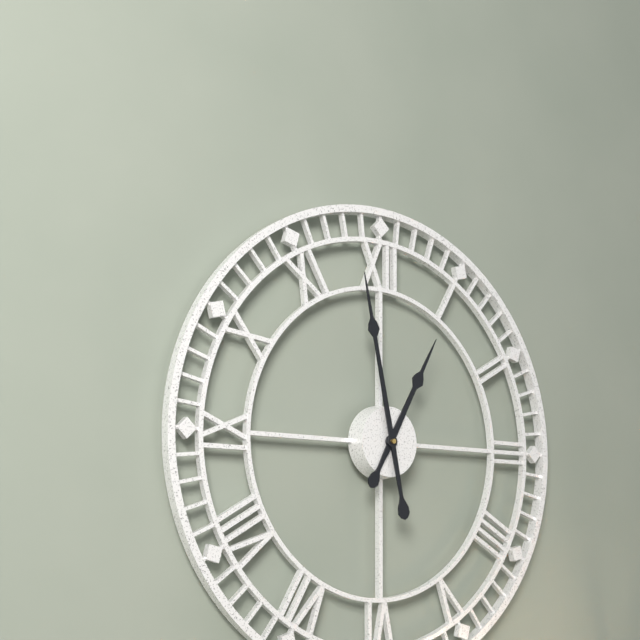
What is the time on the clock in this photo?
12:58
